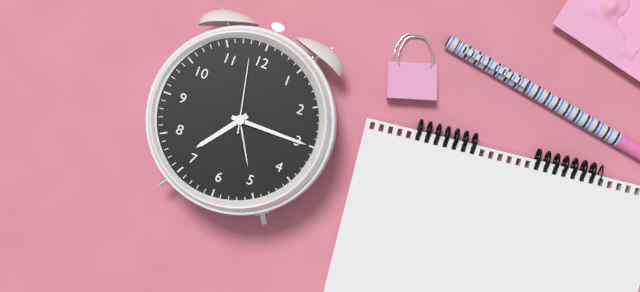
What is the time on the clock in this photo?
7:15:58
